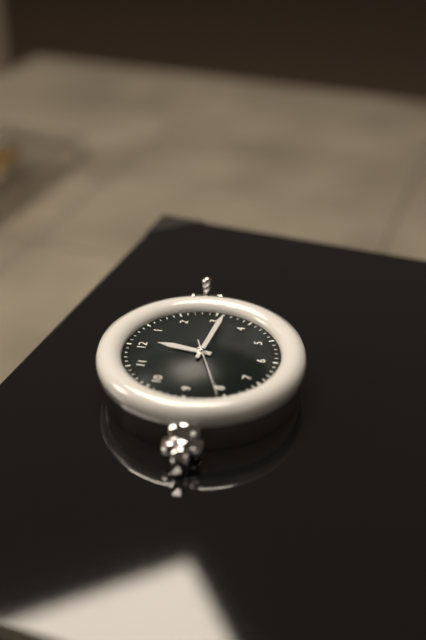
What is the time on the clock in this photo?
12:16
